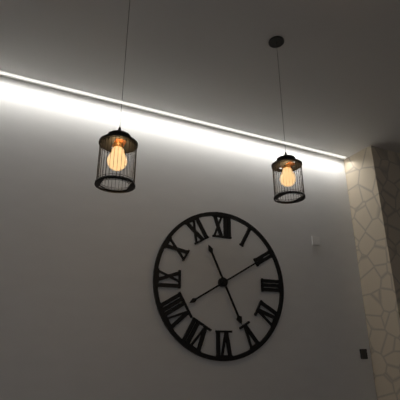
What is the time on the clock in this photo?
5:10
